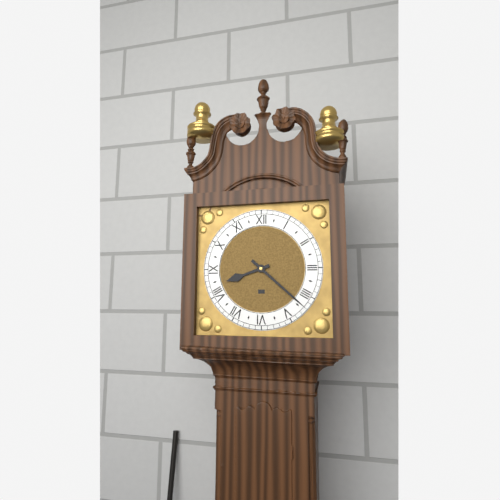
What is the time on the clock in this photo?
8:22
